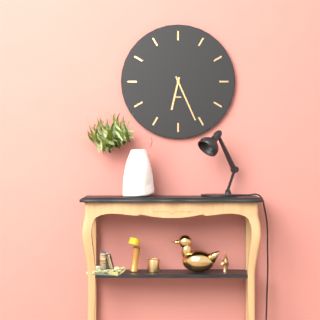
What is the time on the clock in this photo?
6:26
